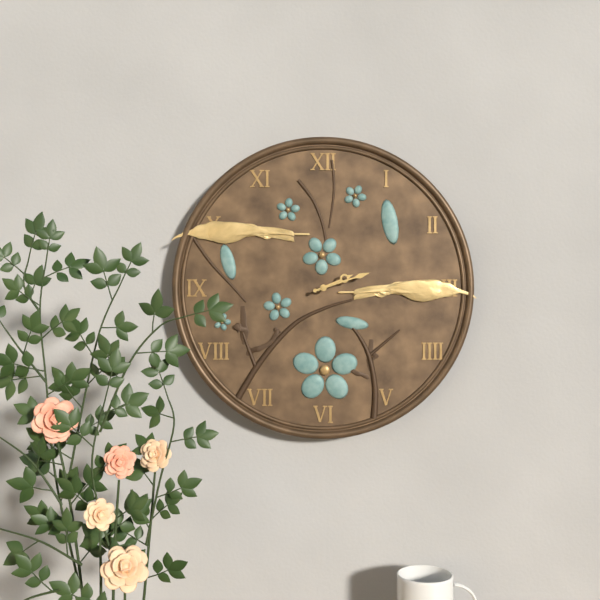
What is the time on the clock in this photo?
2:12
